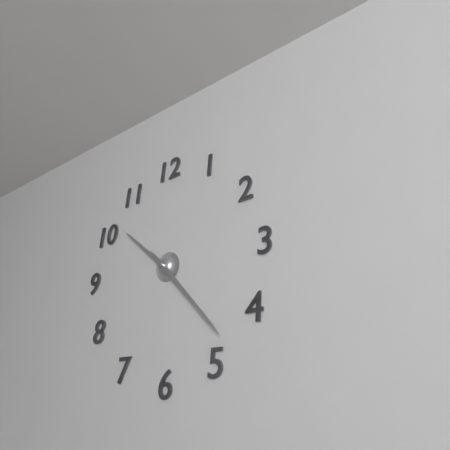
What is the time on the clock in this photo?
10:23
